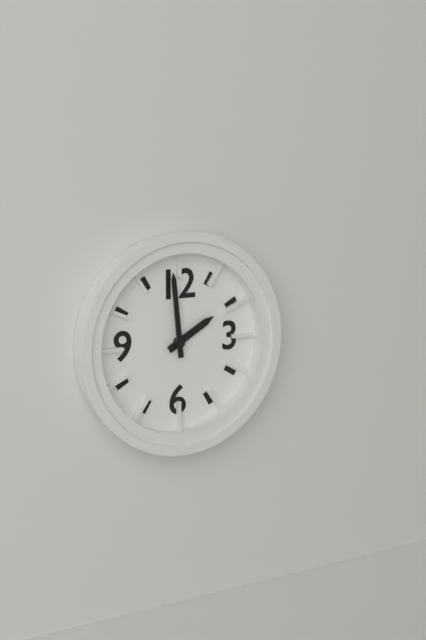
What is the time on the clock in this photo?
1:59
